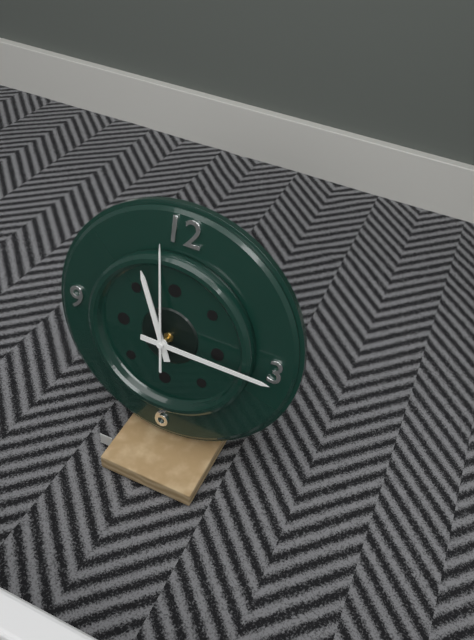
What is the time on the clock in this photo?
11:15:59
